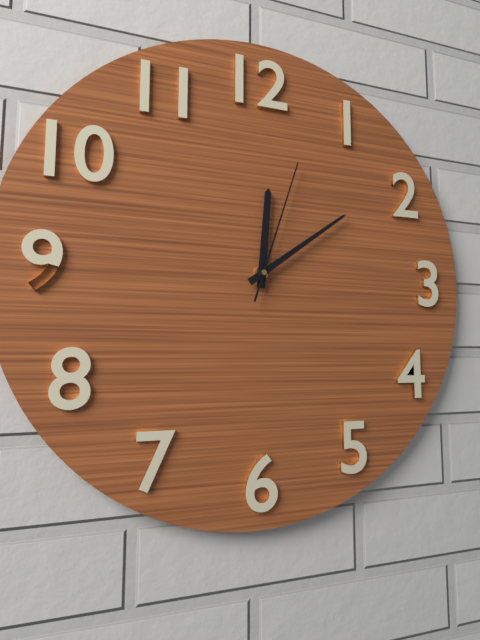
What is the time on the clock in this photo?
12:09:03
